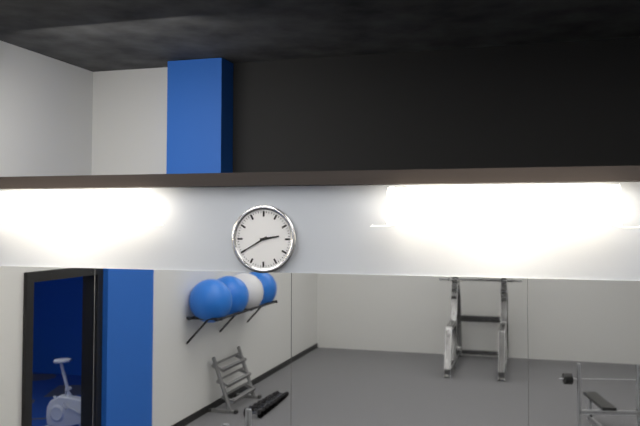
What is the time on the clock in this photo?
2:40
